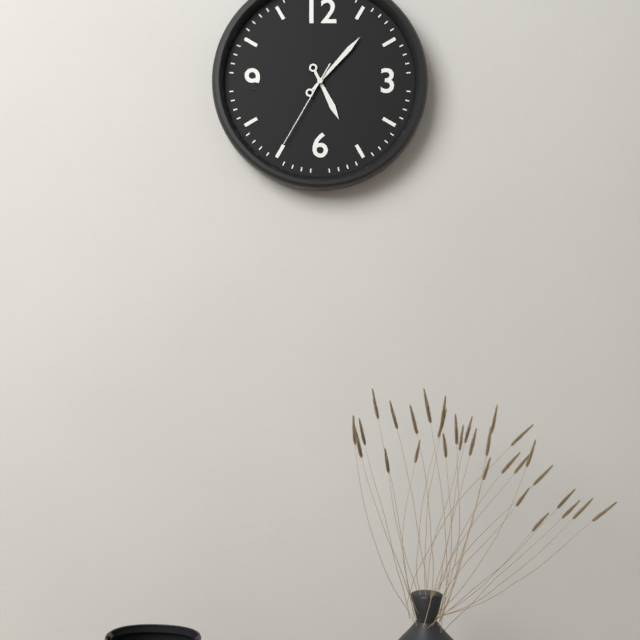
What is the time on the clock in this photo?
5:07:35
